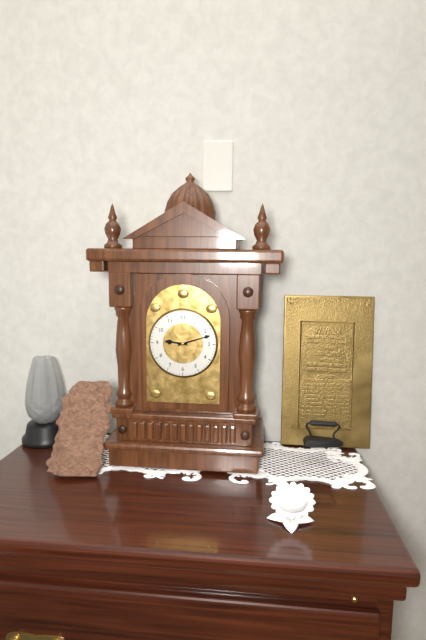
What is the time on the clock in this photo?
9:12
